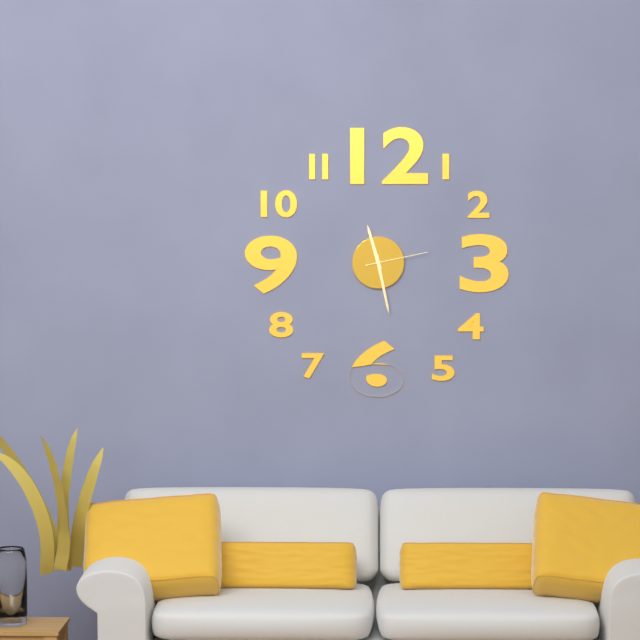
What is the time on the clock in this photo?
11:28:13
